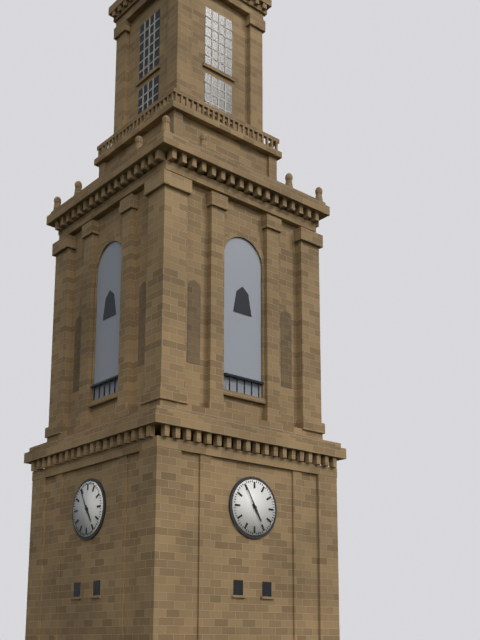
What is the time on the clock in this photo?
4:55
